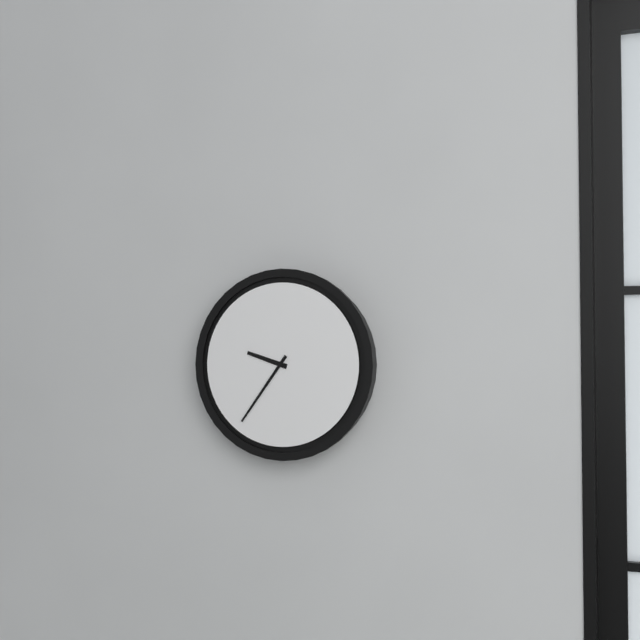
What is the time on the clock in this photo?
9:36
